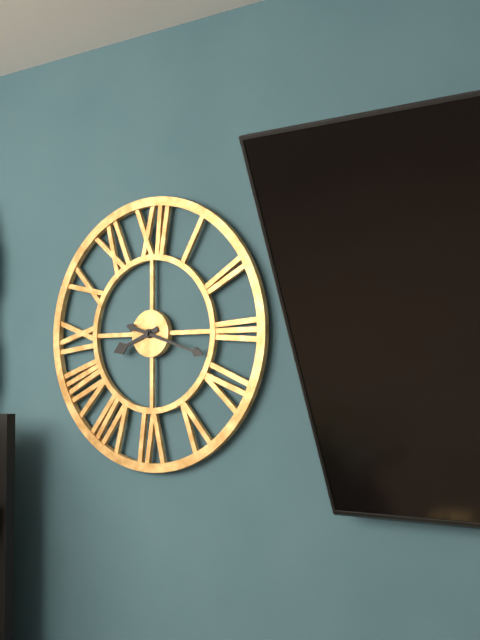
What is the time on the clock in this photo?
8:18
